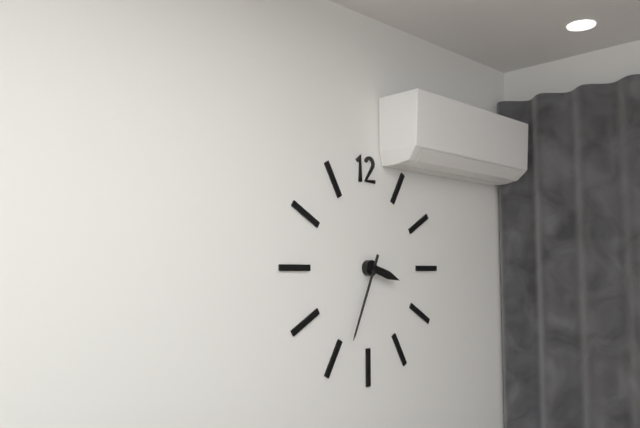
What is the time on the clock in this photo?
3:34
